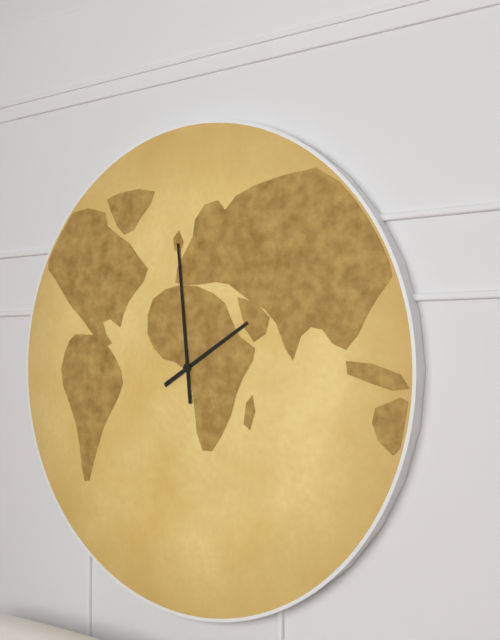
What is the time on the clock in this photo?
1:59
